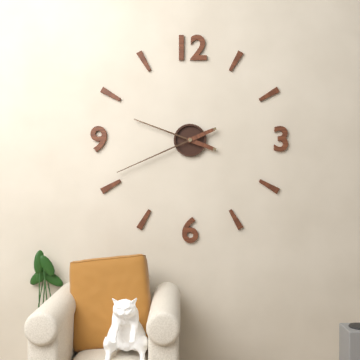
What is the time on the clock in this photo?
9:41
